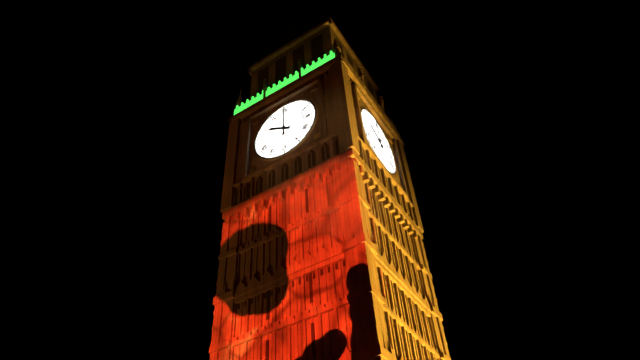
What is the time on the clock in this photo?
10:00
